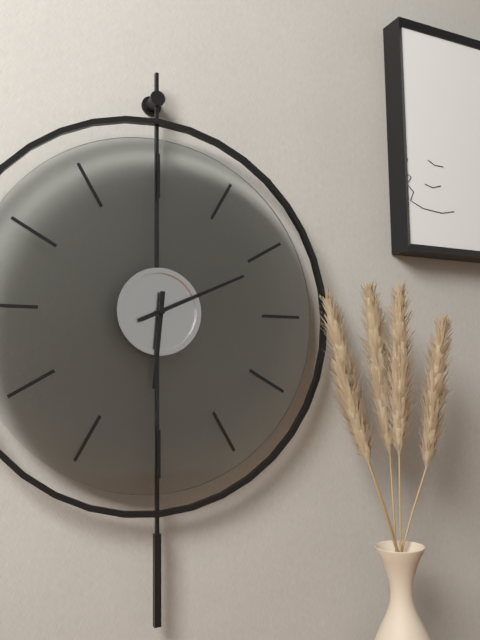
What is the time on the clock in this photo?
6:11
